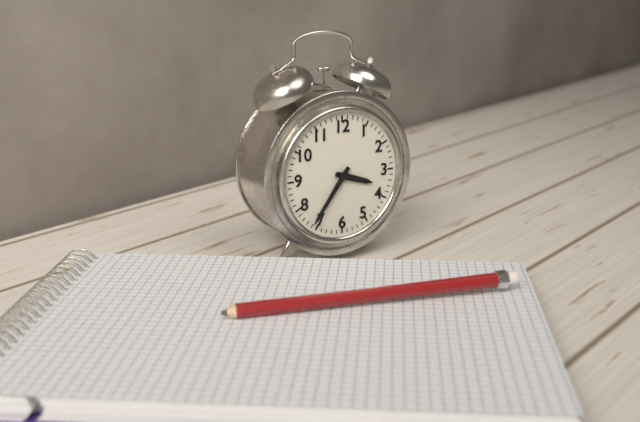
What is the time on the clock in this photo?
3:36
